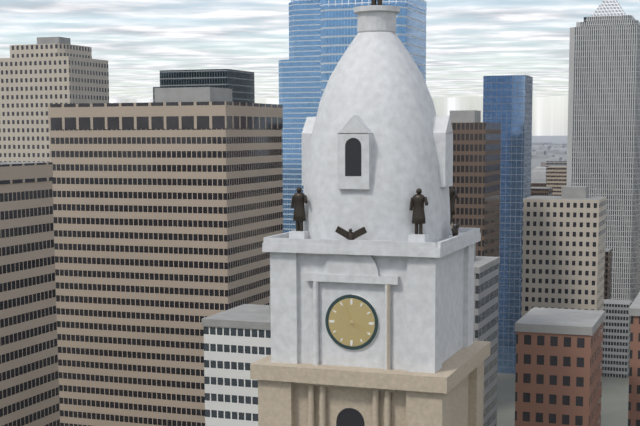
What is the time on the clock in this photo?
3:56
